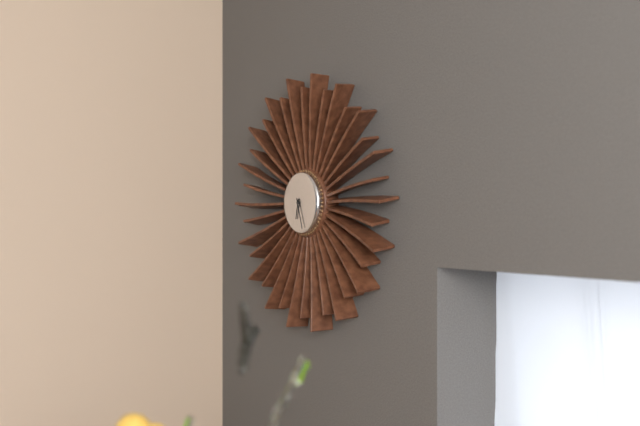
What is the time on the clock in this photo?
6:27
